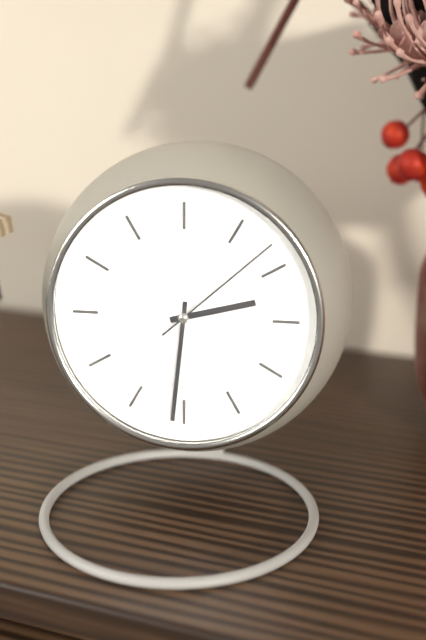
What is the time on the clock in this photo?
2:31:08
